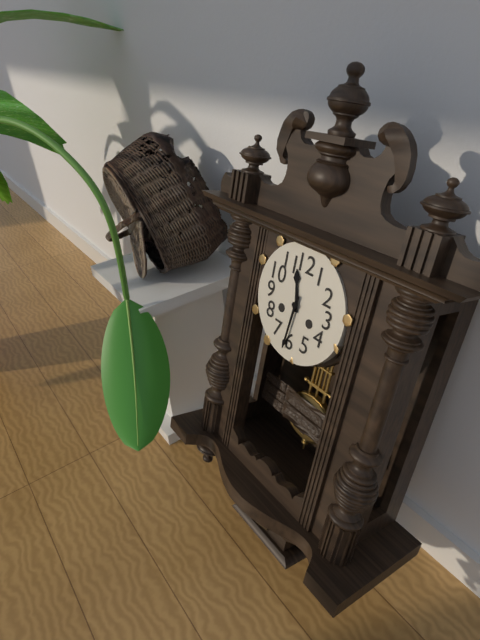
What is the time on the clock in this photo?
11:31
